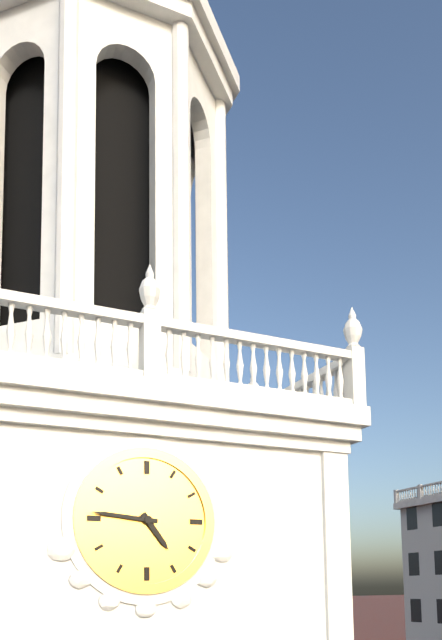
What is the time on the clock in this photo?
4:46
